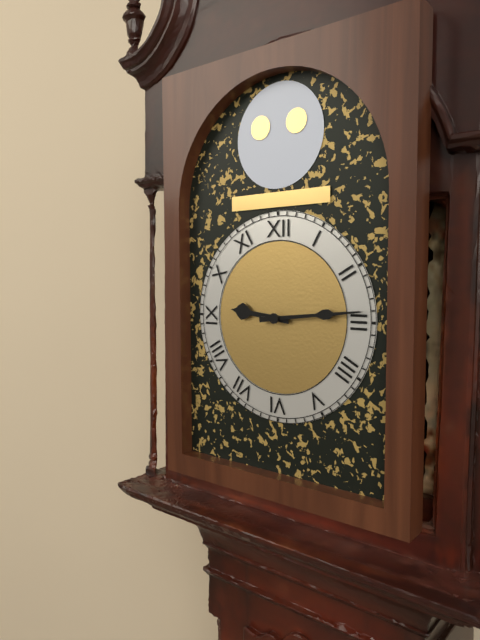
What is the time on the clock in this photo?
9:14
